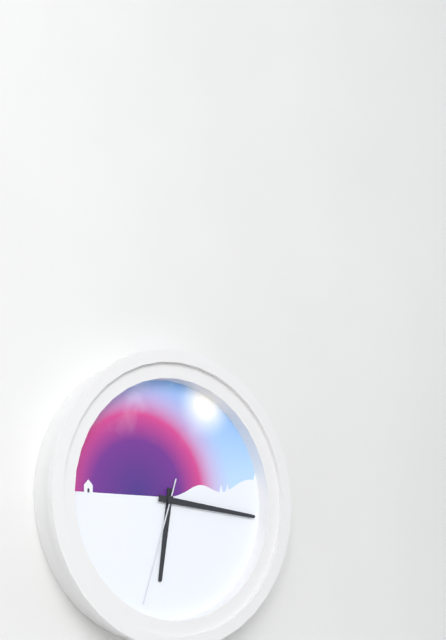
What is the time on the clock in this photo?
6:16:33
